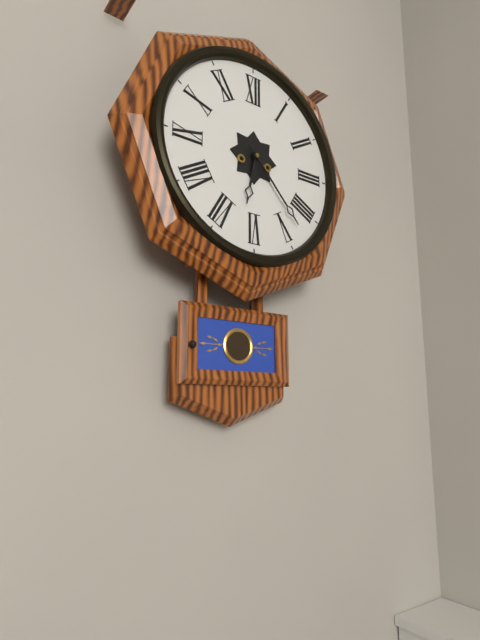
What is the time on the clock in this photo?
6:23
